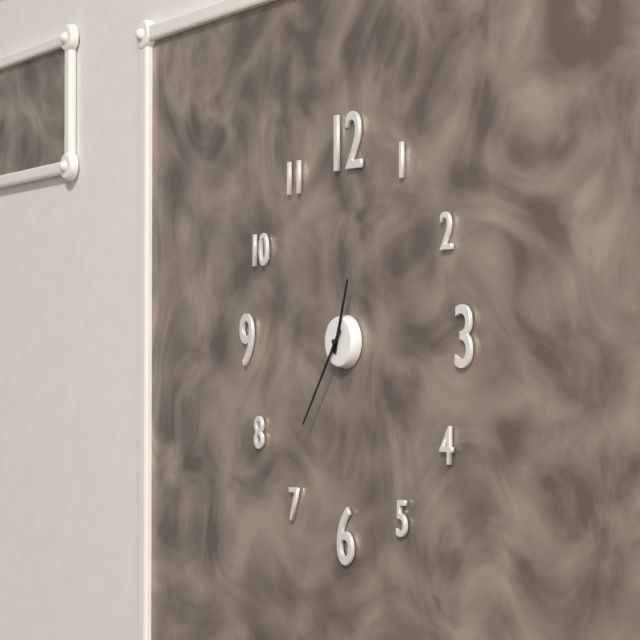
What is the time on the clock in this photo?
12:36
